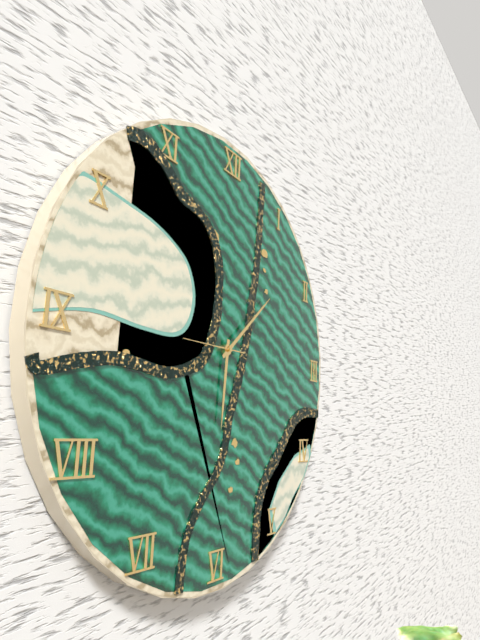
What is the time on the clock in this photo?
6:08:45
